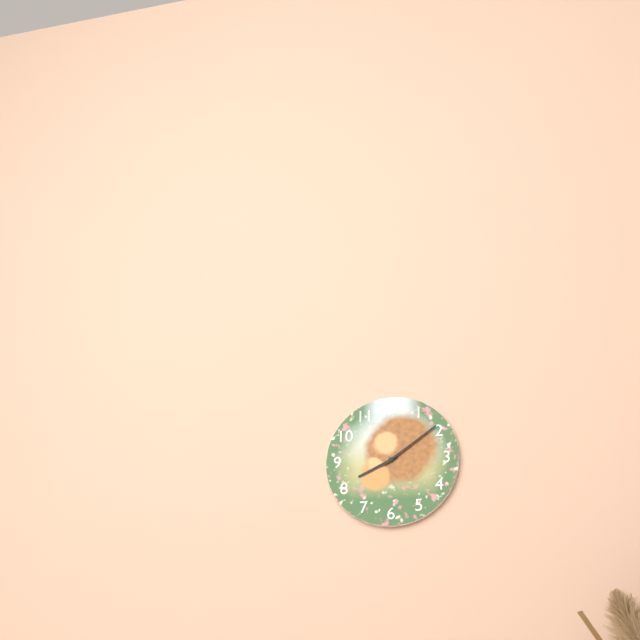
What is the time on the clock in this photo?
8:09
